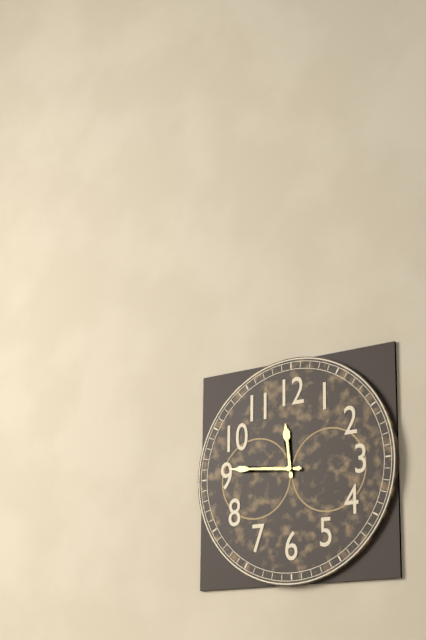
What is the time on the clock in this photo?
11:46
